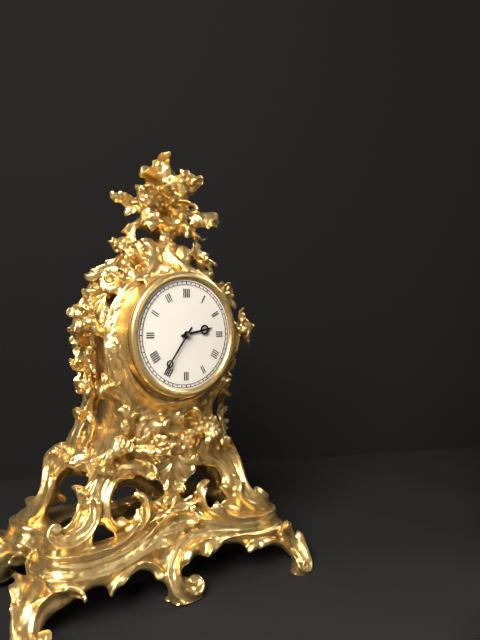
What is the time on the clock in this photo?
2:36
